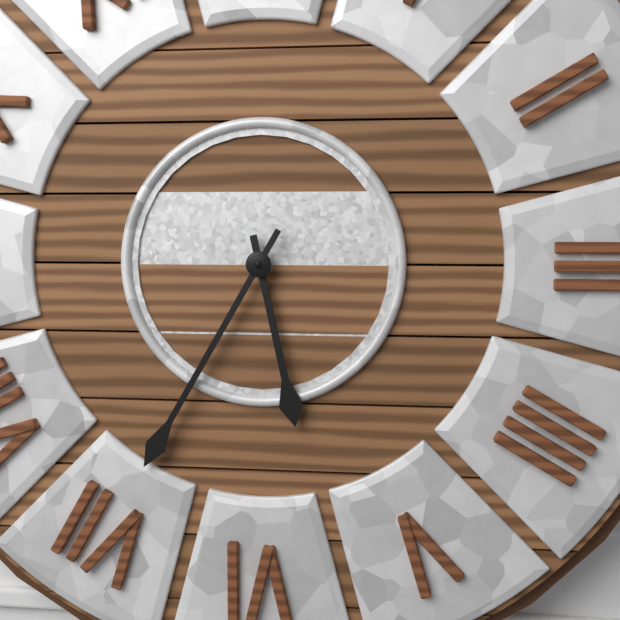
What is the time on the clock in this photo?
5:35
